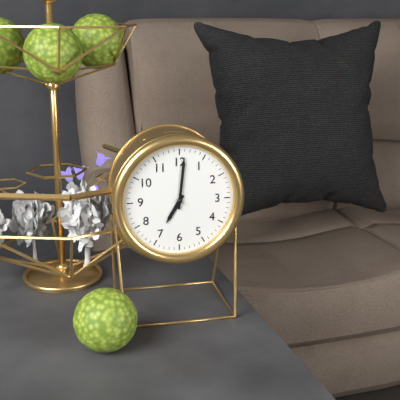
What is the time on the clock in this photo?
7:01
